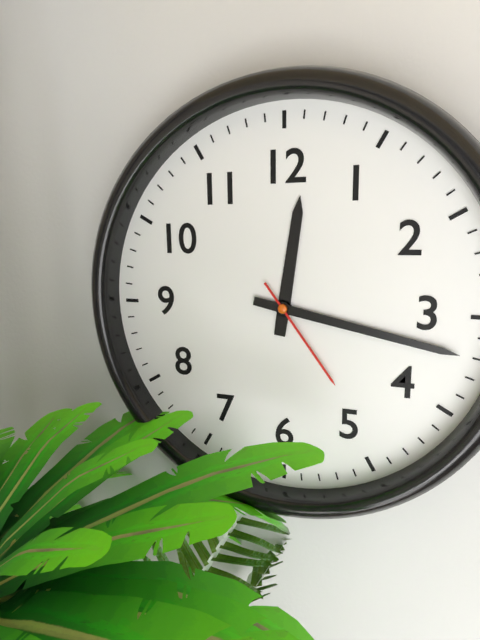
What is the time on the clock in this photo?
12:17:24
